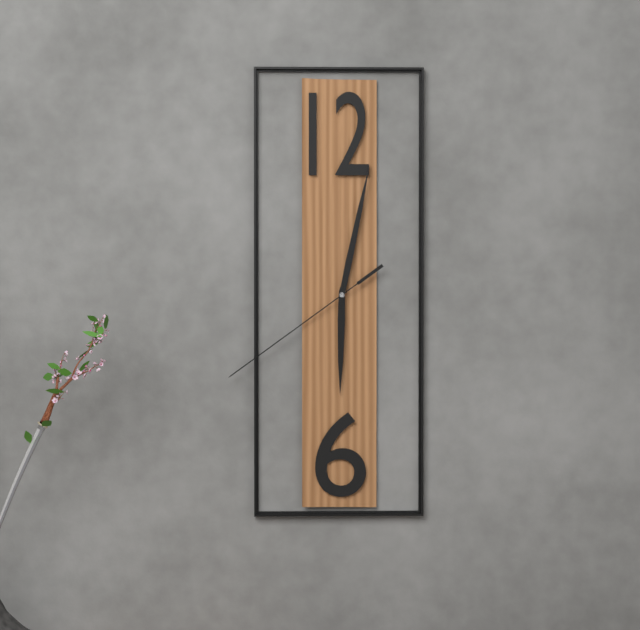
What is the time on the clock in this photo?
6:02:39
